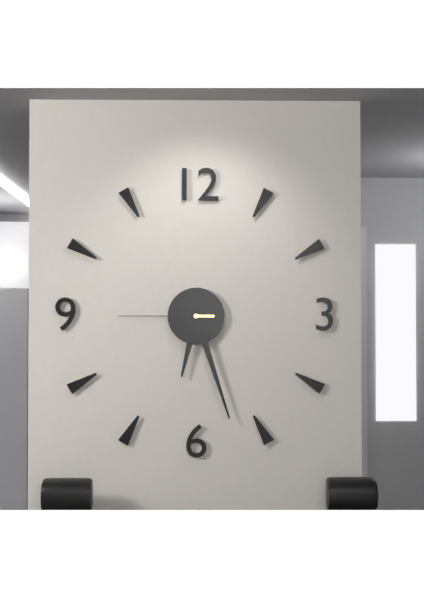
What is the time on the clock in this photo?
6:27:45
